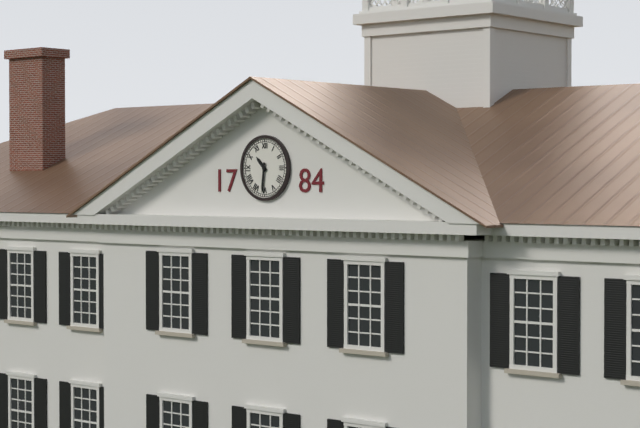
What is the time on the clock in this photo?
10:31
